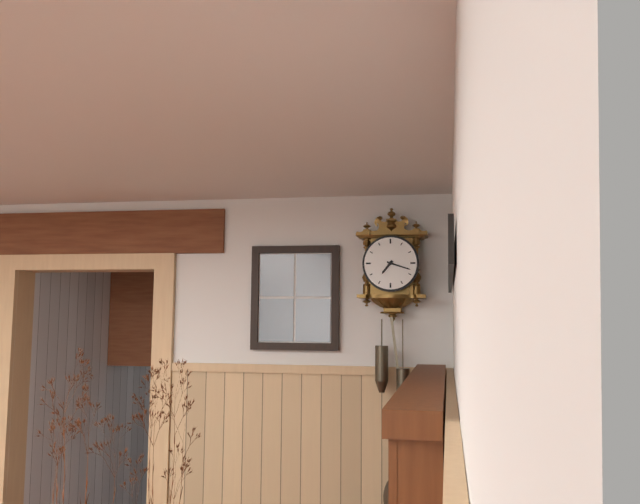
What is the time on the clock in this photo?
7:18
